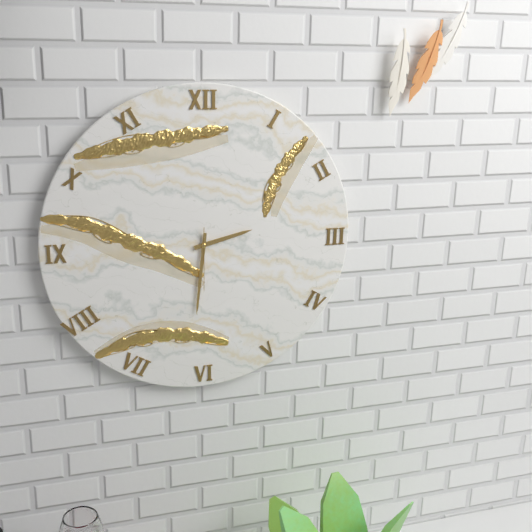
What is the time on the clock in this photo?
2:31:30
